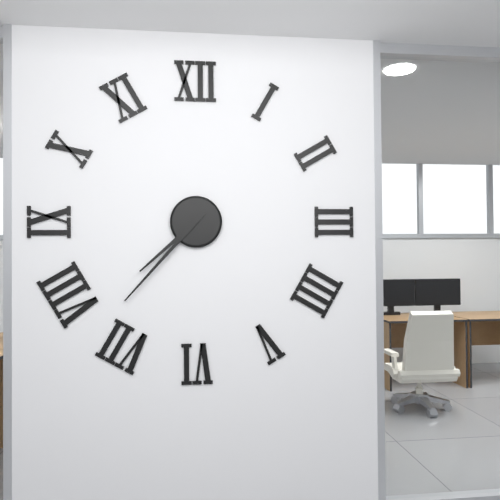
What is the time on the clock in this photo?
7:37
